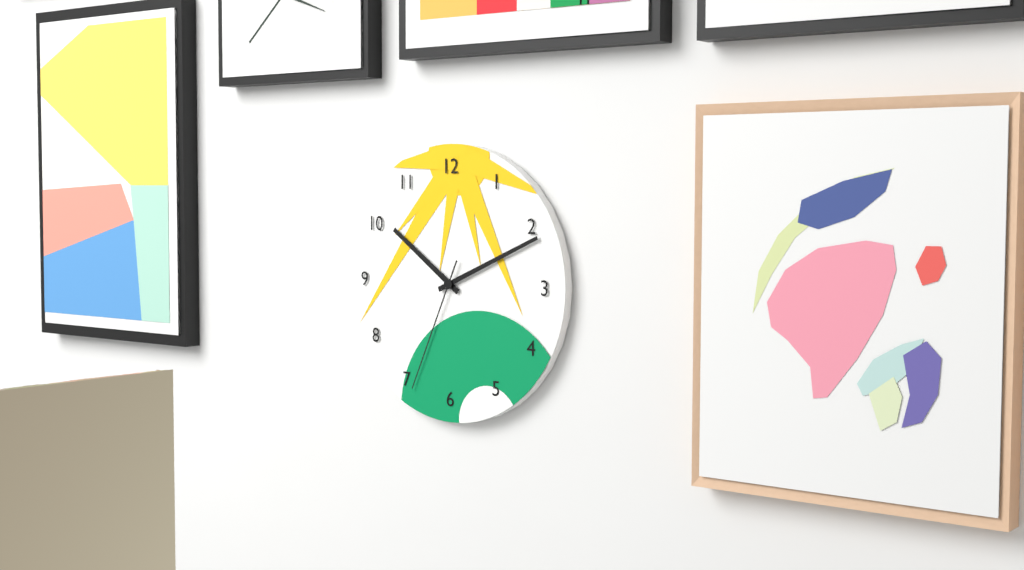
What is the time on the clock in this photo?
10:11:34
